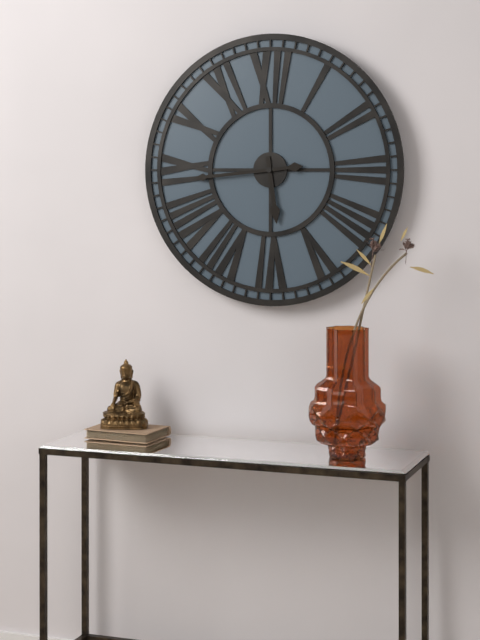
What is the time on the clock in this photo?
5:44
